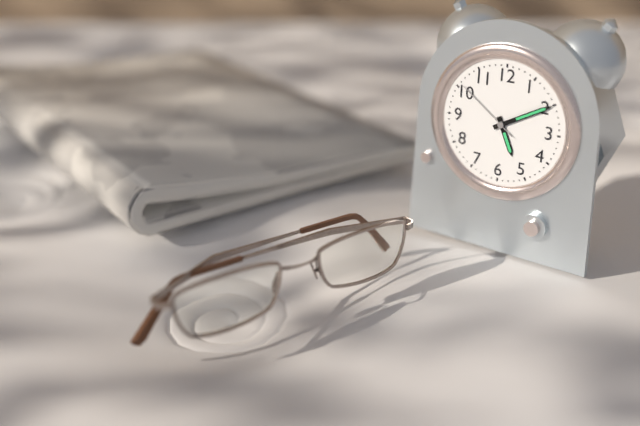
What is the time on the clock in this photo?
5:10:51
